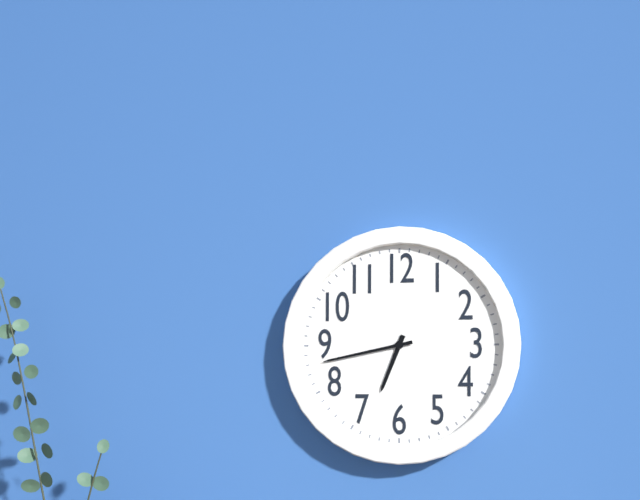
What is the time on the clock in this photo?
6:43
